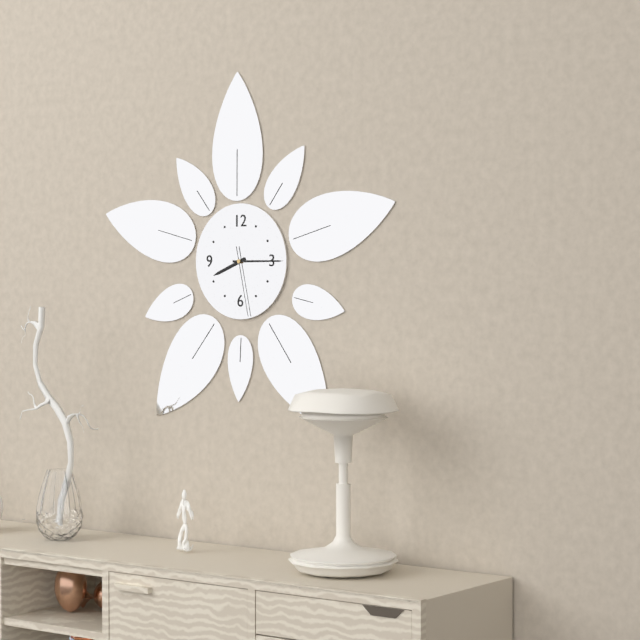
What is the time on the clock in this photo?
8:15:28
